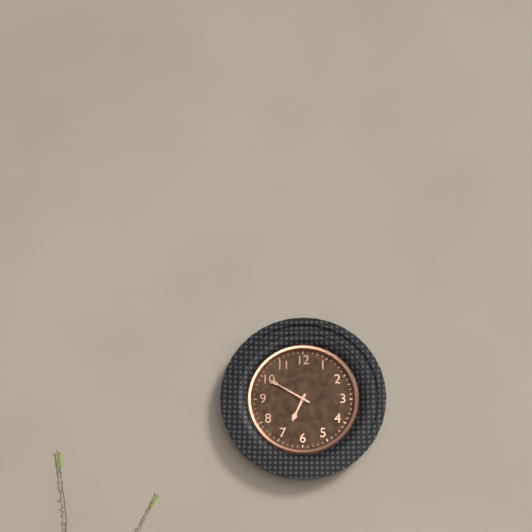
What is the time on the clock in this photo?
6:50
